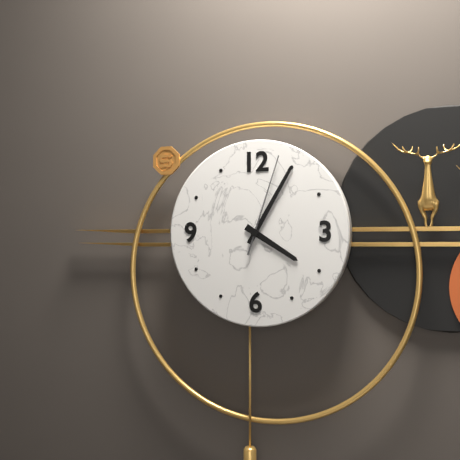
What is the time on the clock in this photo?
4:05:03
